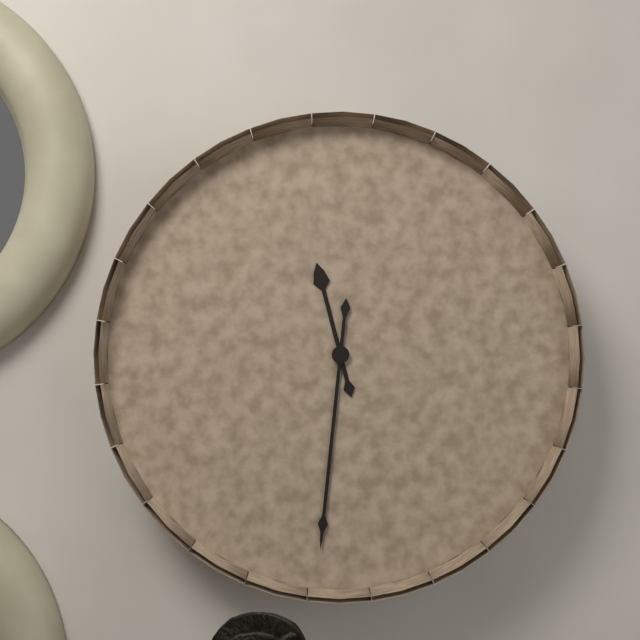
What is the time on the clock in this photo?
11:31
